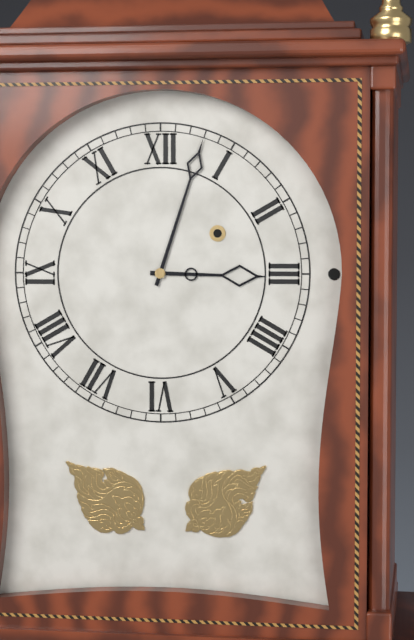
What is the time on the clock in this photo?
3:03
